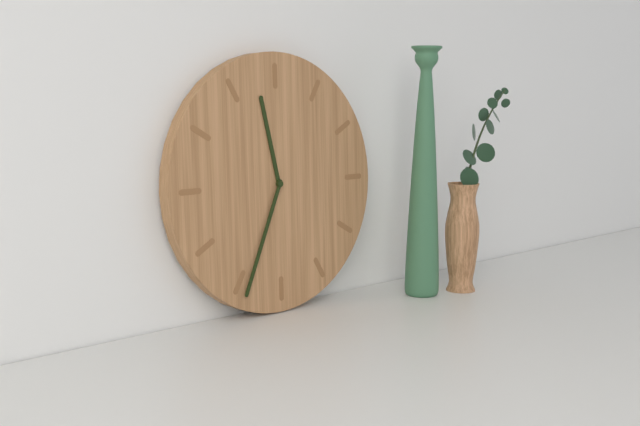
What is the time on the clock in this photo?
11:34
